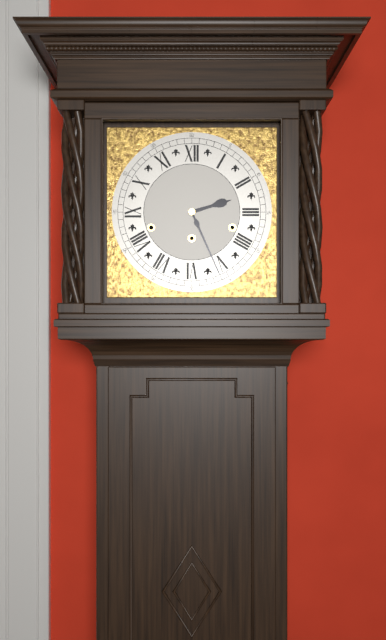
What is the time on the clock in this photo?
2:26
